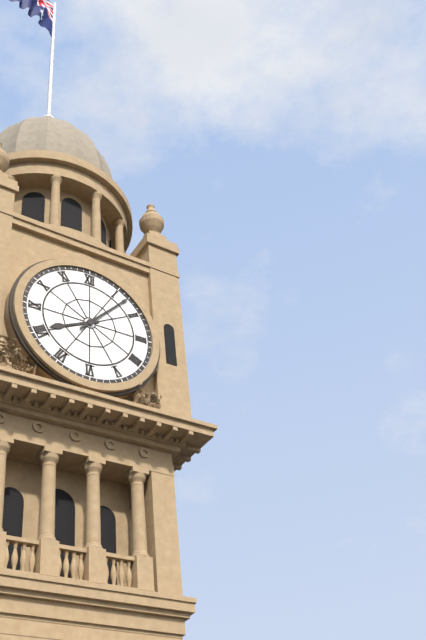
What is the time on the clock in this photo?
8:07
